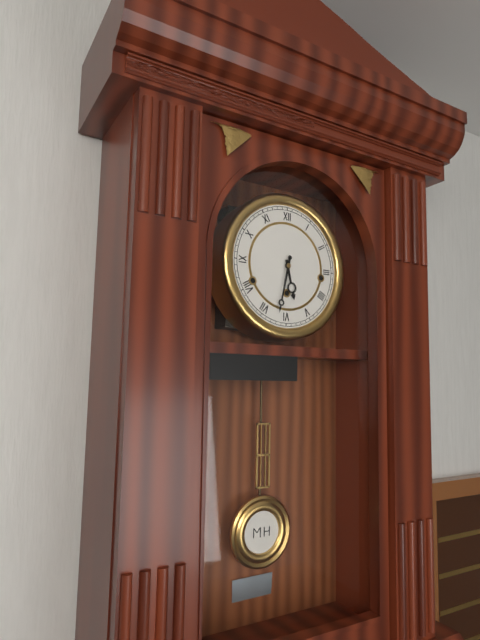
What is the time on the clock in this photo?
5:32
